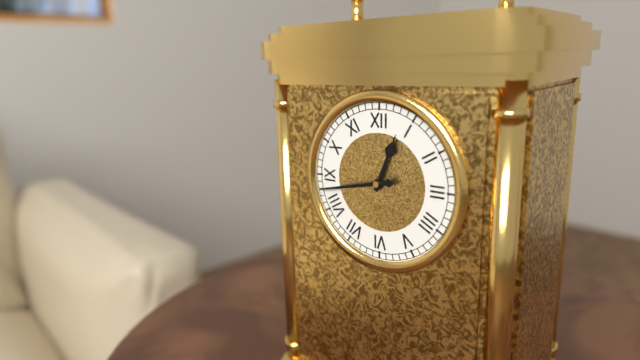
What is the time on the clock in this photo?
12:43
